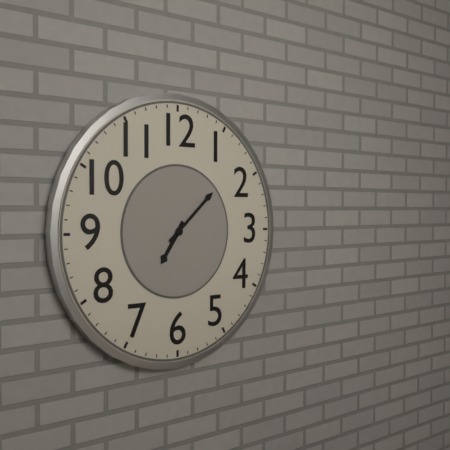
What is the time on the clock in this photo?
7:08
